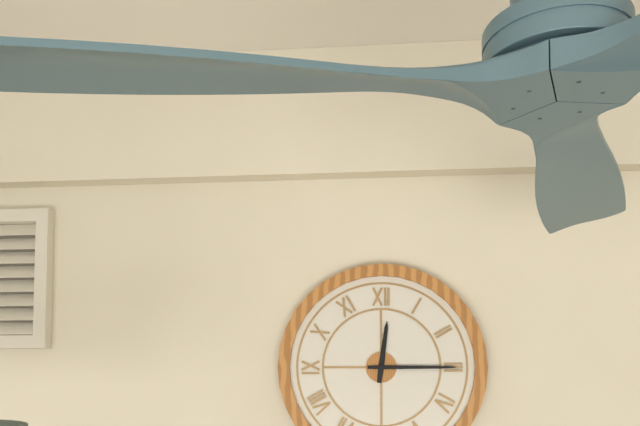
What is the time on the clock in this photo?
12:15
